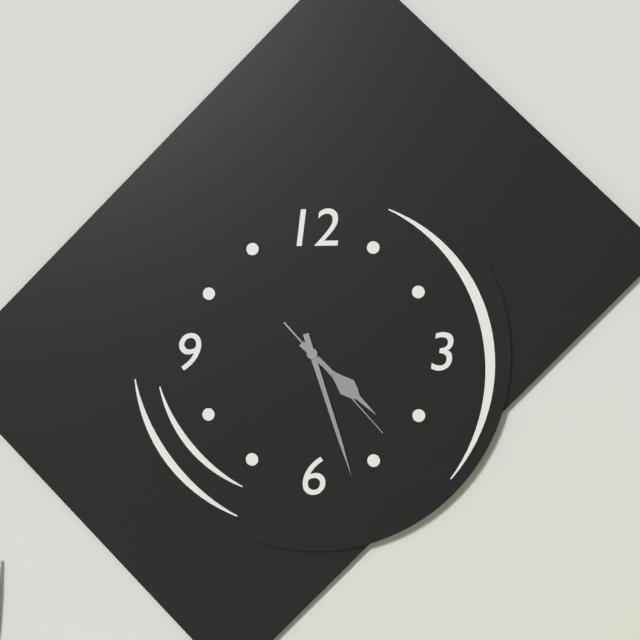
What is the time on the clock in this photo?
4:27:23
